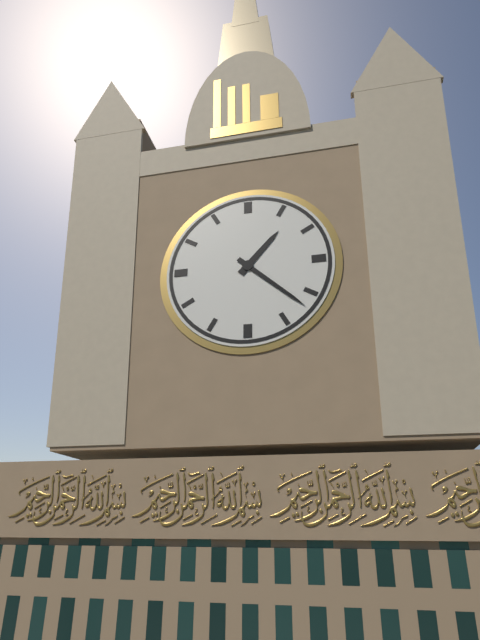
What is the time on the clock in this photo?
1:22
